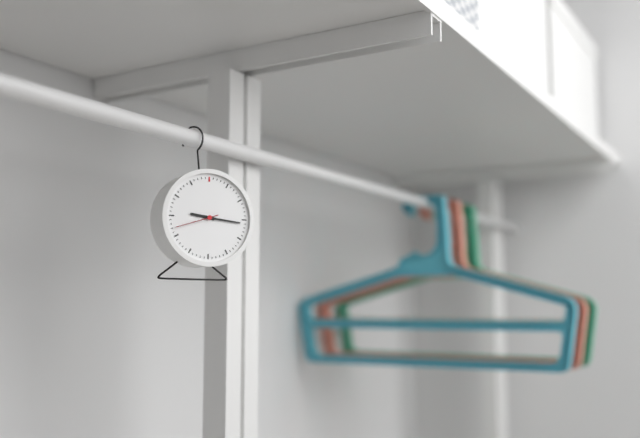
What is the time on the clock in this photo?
9:16
